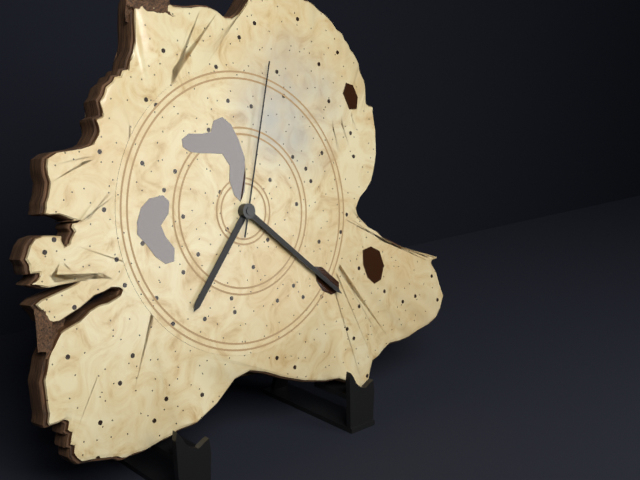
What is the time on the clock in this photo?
7:22:03
